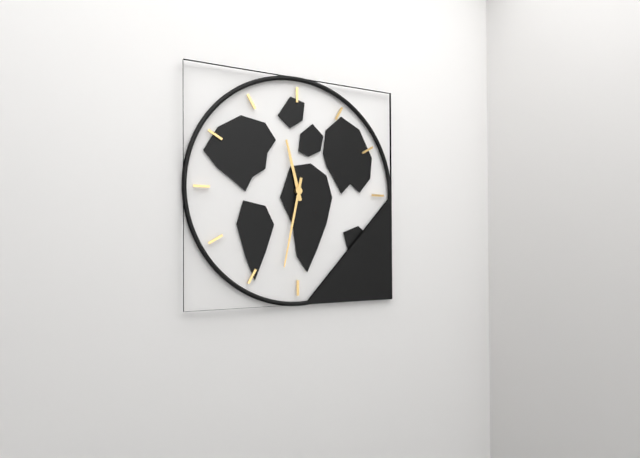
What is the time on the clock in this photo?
11:32
